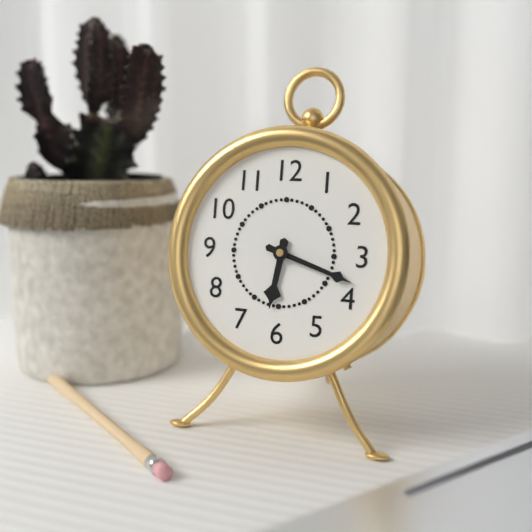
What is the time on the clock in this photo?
6:18
